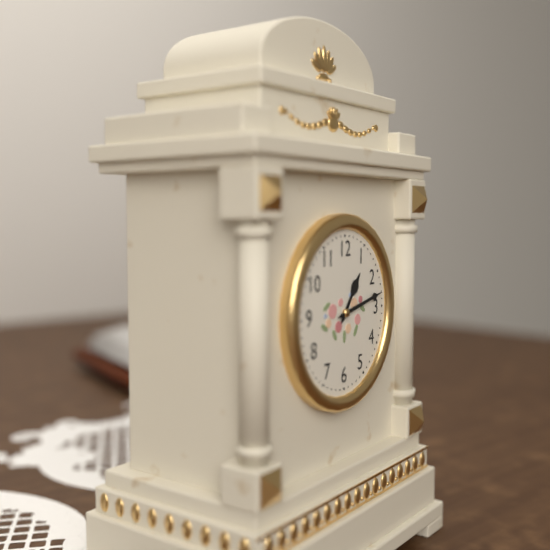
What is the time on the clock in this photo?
1:13
